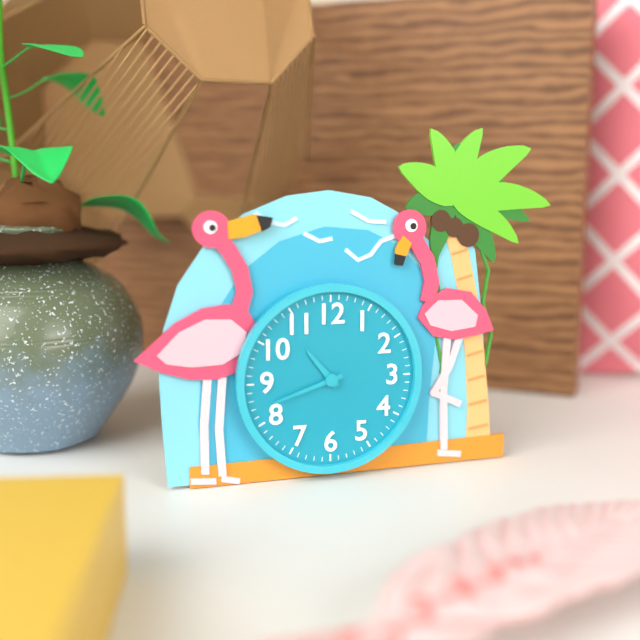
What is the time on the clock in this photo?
10:42
